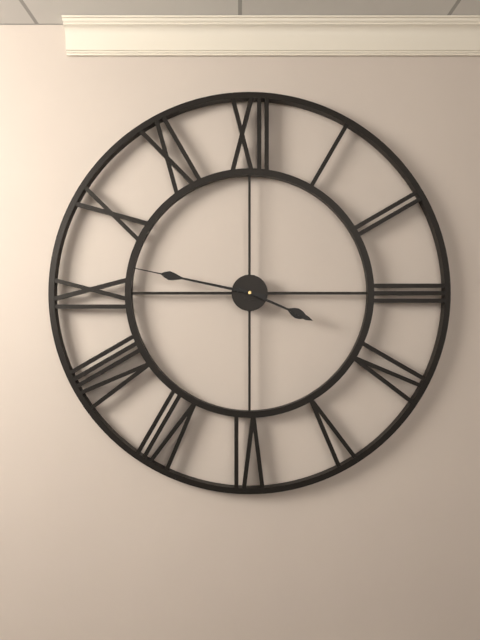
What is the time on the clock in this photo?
3:47:19
